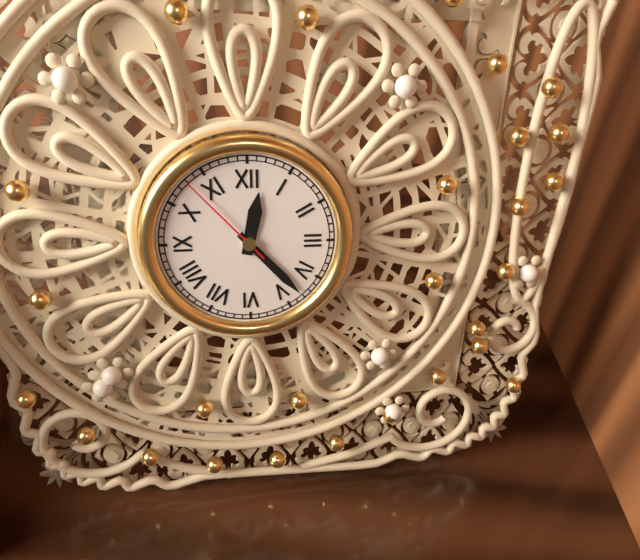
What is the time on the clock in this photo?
12:23:53
